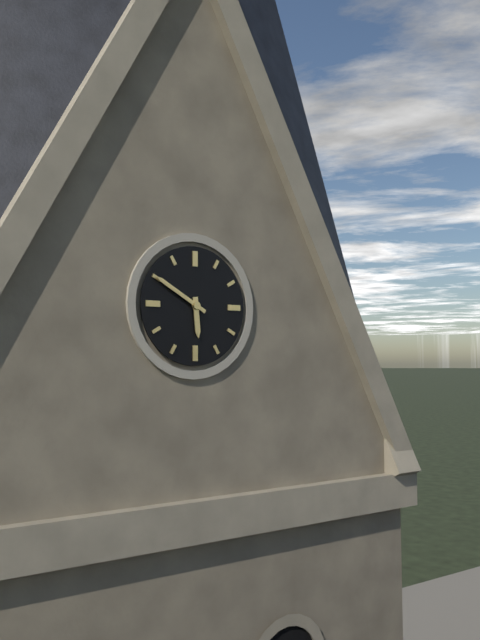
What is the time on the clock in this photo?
5:50
